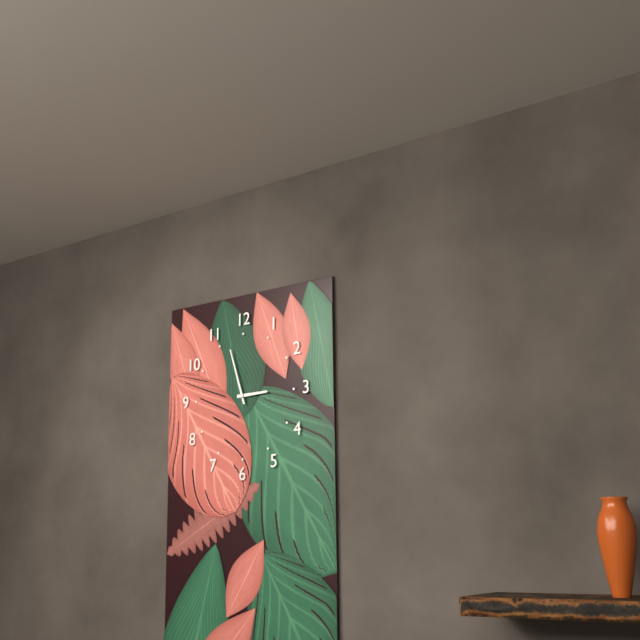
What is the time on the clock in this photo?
2:57
